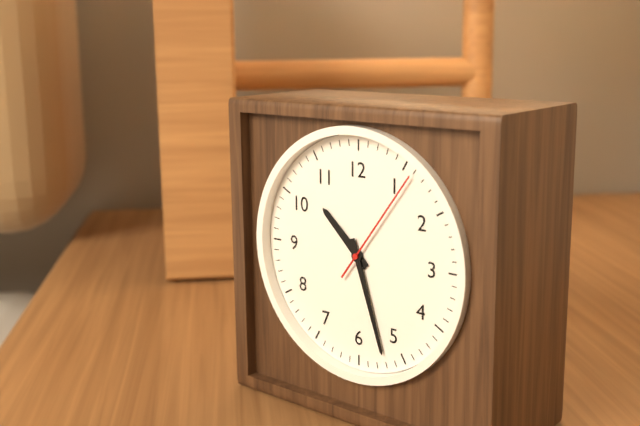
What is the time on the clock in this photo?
10:27:06
